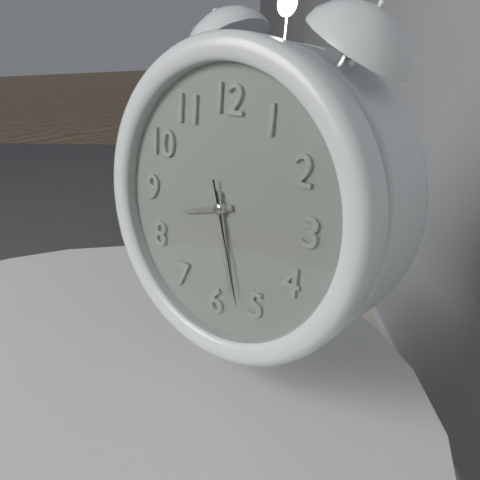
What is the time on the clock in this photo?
8:28:27
